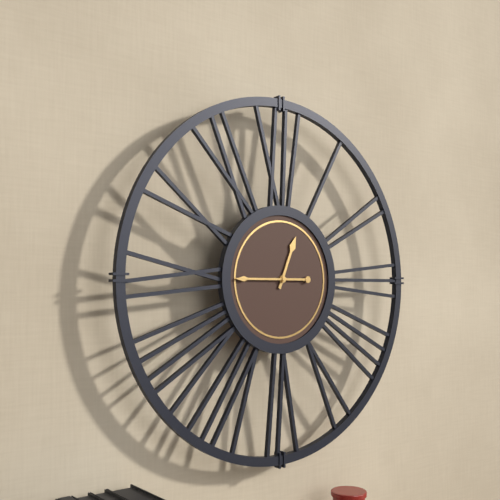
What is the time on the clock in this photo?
12:45
